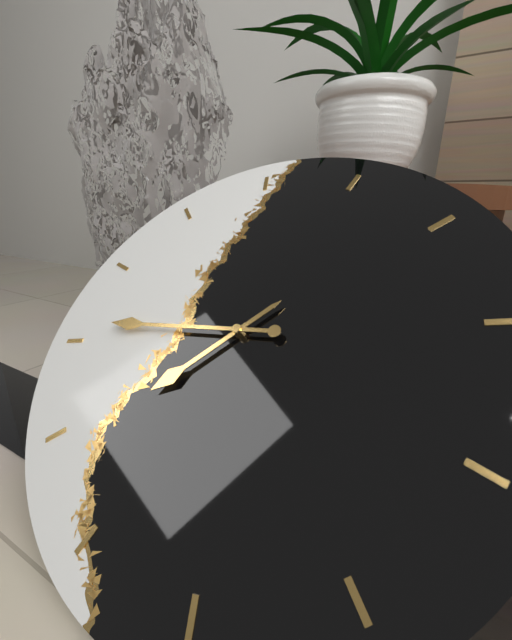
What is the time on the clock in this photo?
7:46
